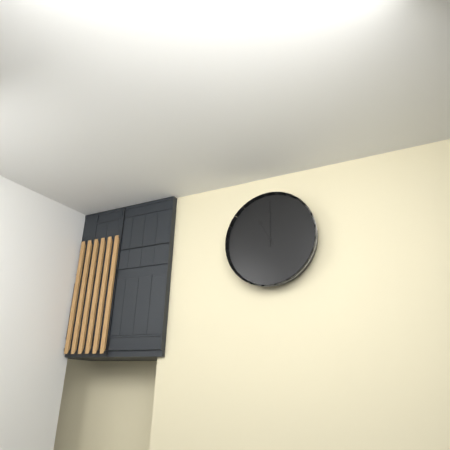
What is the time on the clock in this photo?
11:00
